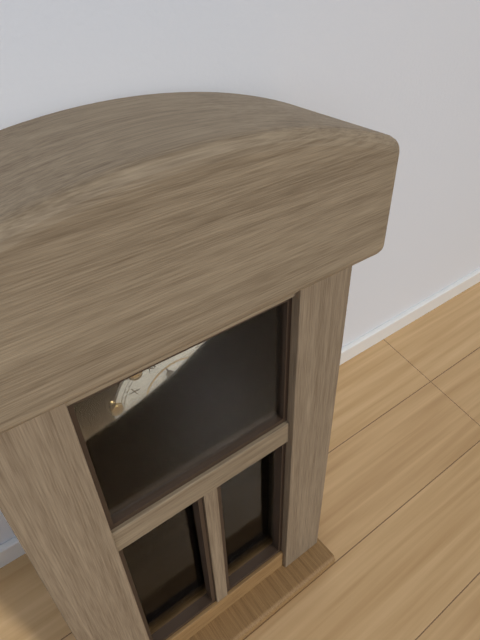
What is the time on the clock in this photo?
11:26
